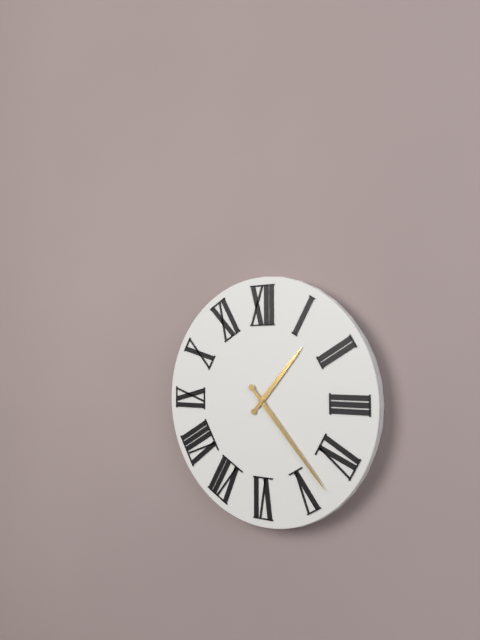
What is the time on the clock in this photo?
1:23
